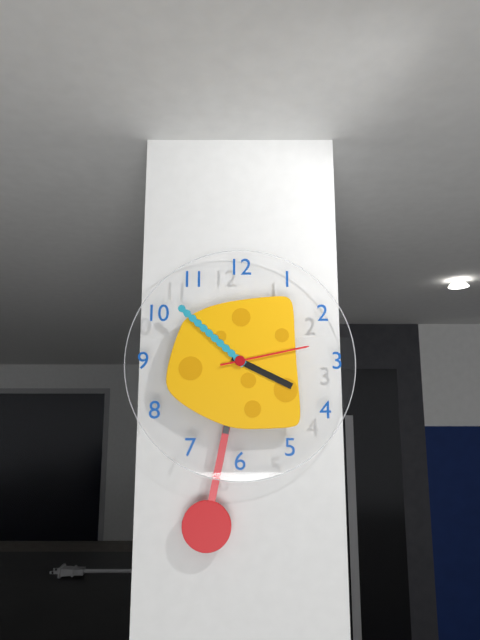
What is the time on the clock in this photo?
3:52:13
